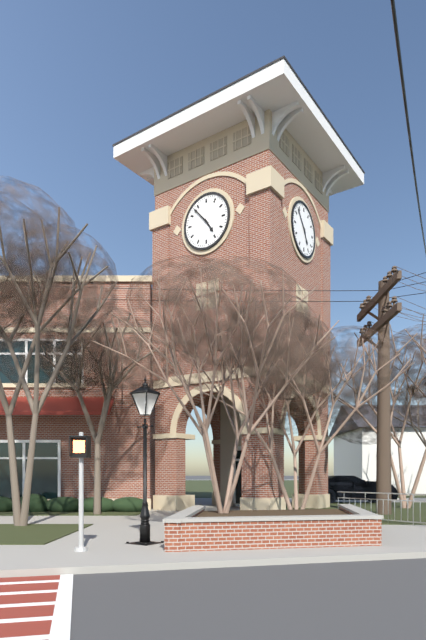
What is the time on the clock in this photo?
4:53
